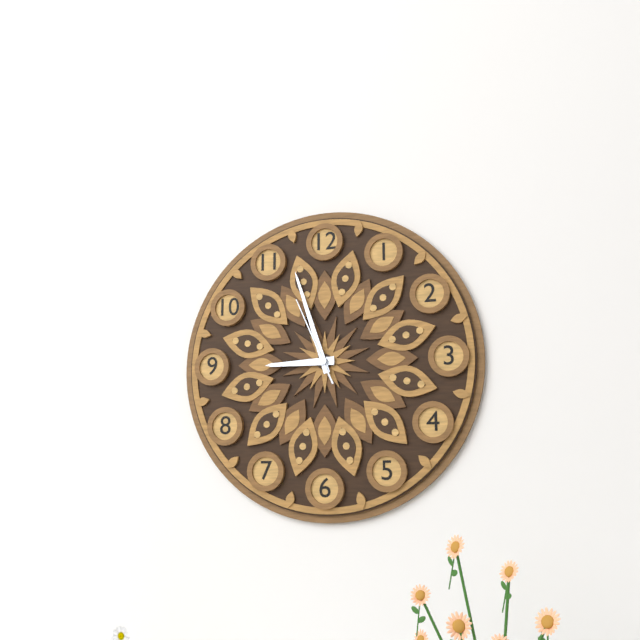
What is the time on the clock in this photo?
8:57:56
